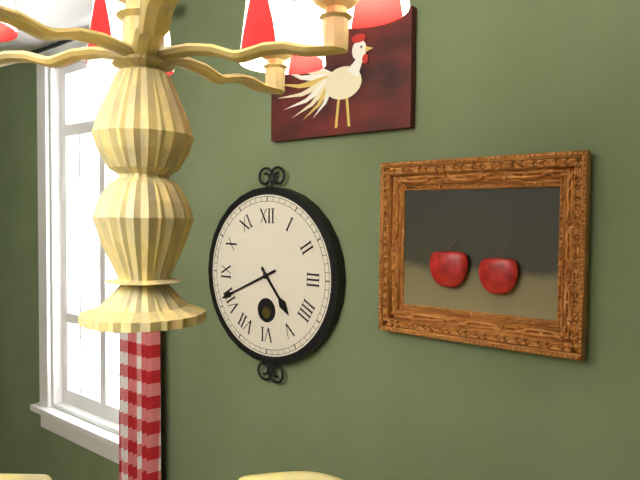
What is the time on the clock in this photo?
4:41
